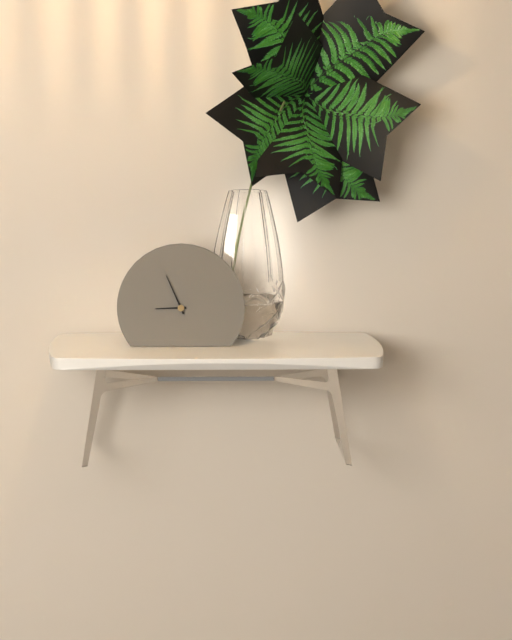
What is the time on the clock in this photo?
8:56
